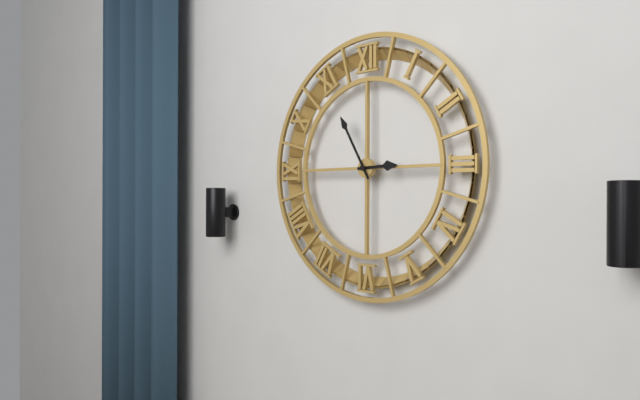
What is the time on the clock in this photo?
2:55
